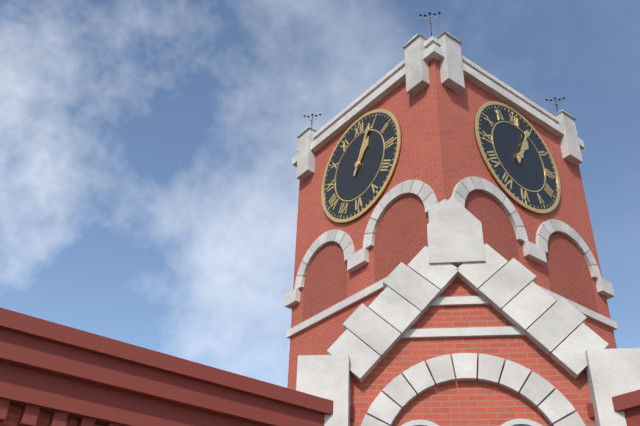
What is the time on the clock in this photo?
1:04
